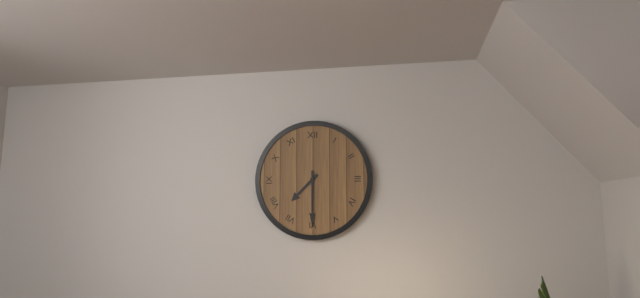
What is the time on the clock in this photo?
7:30
